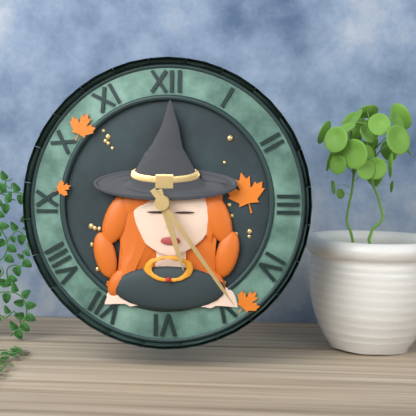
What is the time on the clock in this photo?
5:24
